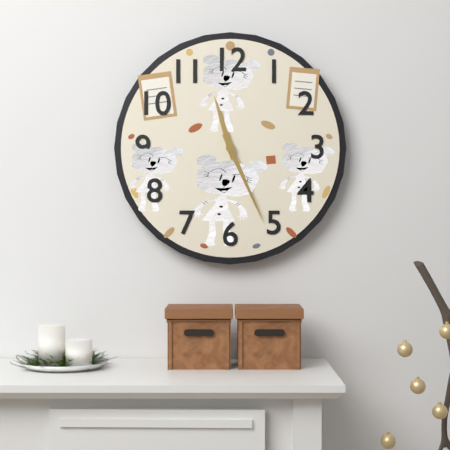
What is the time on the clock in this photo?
11:26
